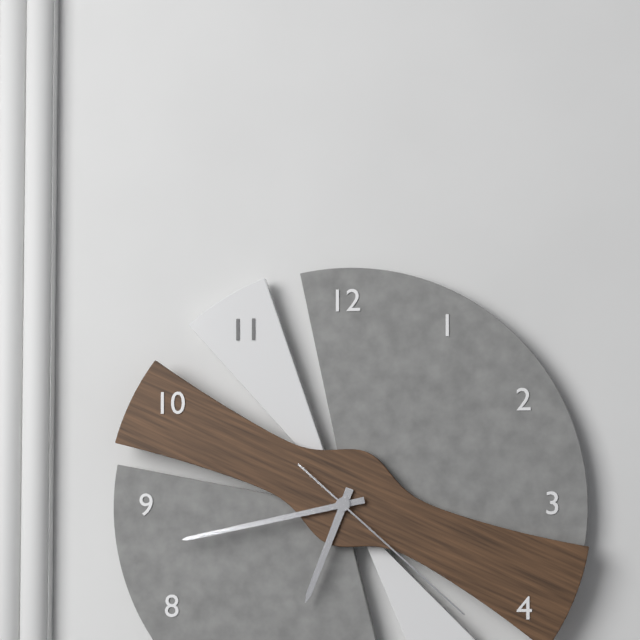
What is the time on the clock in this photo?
6:43:22
